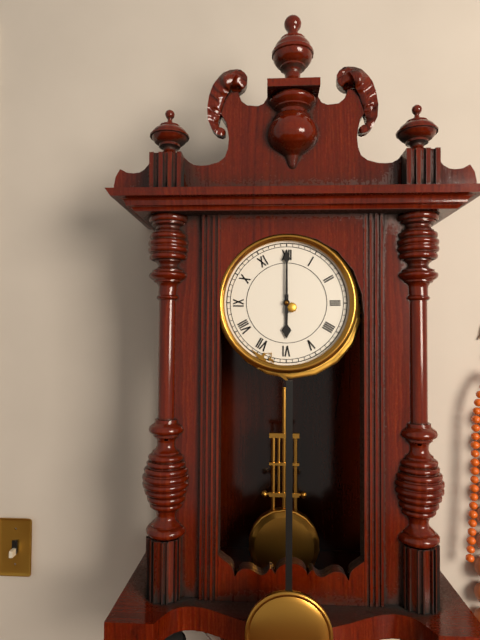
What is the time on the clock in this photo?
6:00
